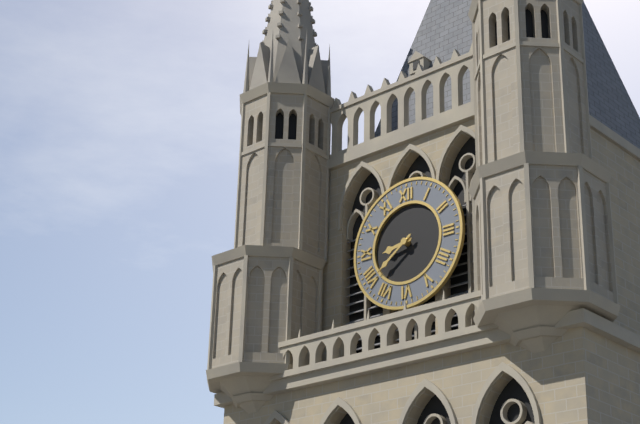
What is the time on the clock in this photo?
8:39
